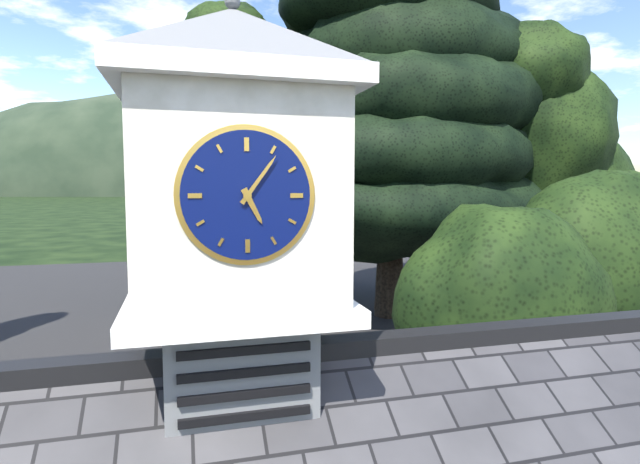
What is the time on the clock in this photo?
5:06
